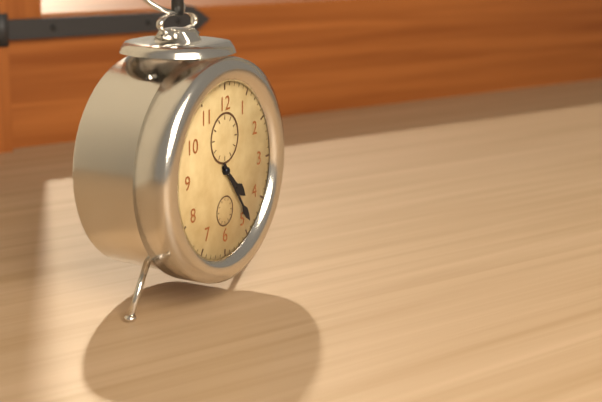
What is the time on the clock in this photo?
4:24
